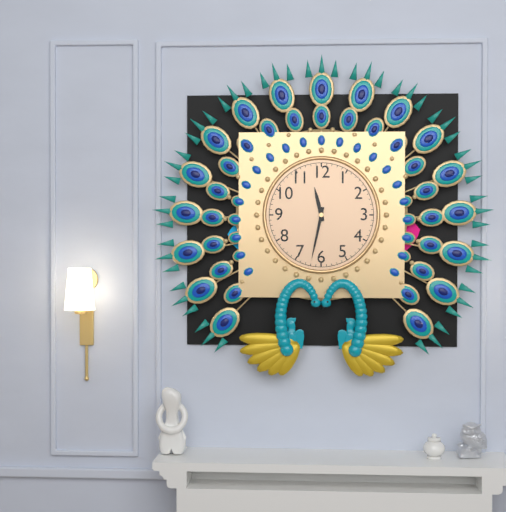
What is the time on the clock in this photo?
11:32
